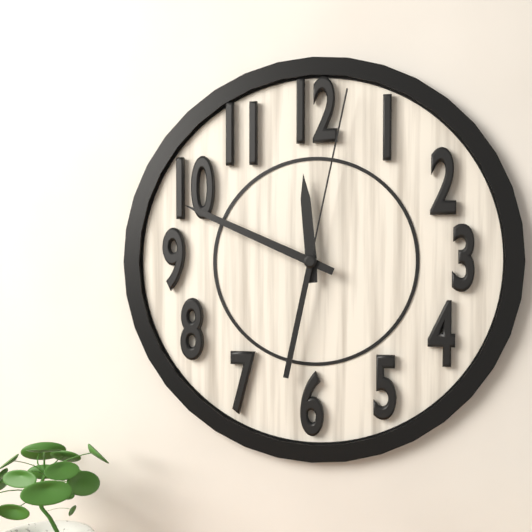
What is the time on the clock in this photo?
11:49:02
